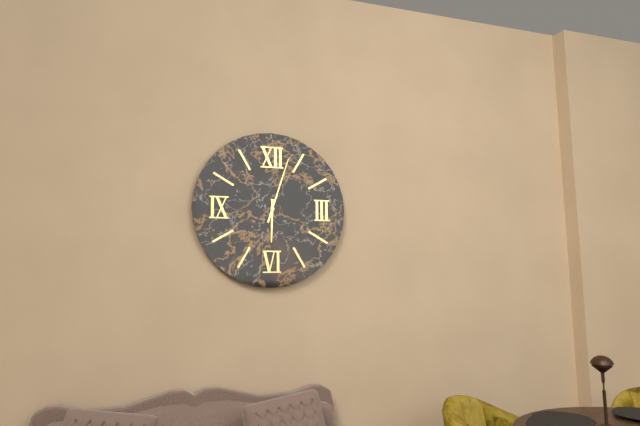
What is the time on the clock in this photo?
6:03
